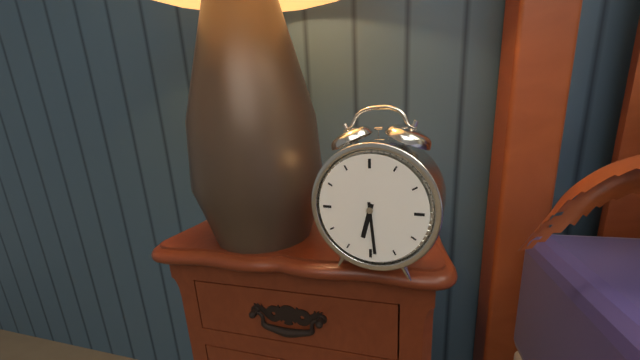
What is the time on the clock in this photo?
6:29
